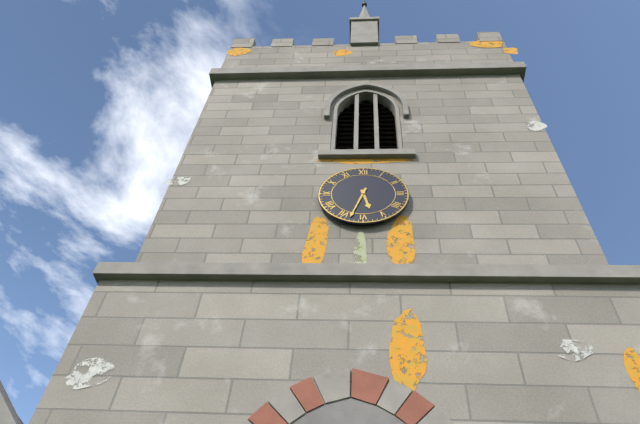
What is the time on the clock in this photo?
5:33
